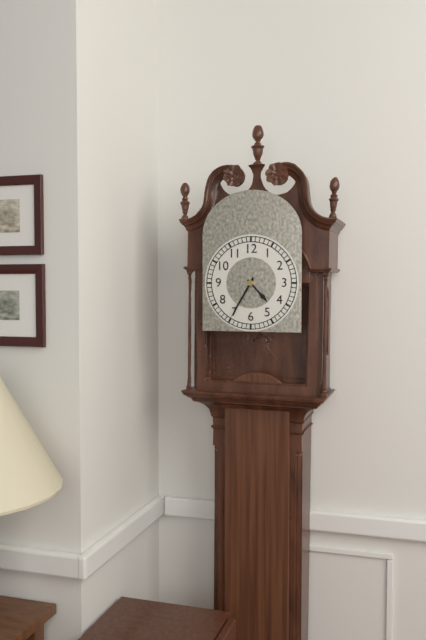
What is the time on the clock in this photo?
4:35
